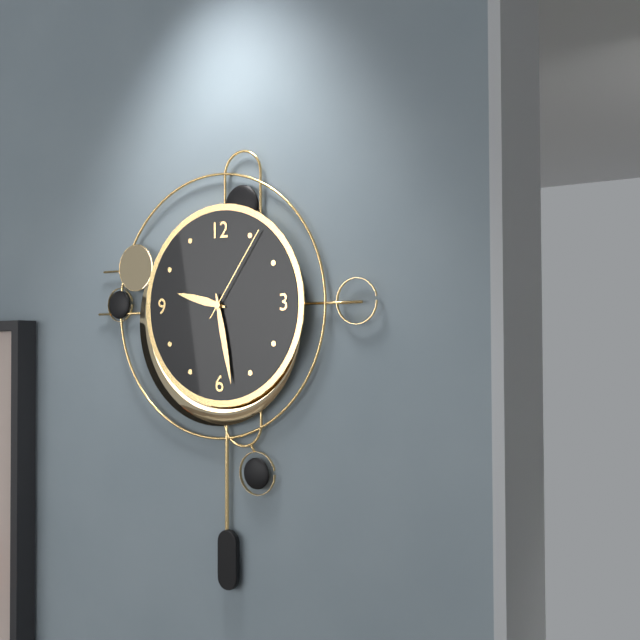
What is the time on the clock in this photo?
9:28:06
